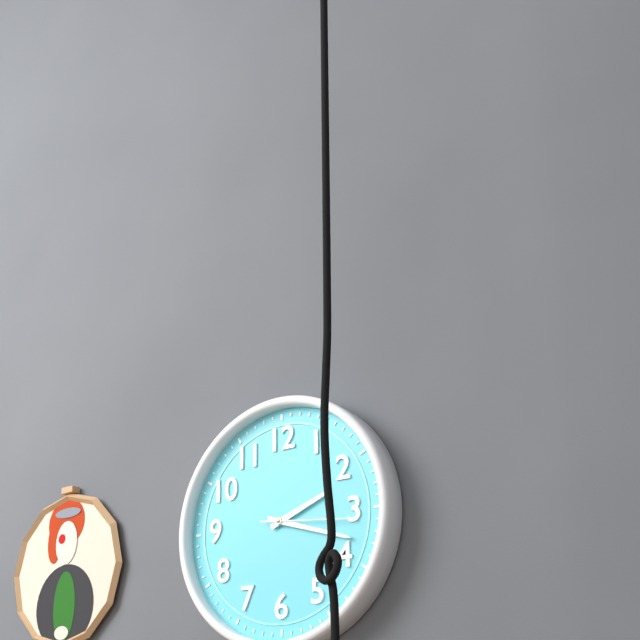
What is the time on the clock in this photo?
2:18:16
